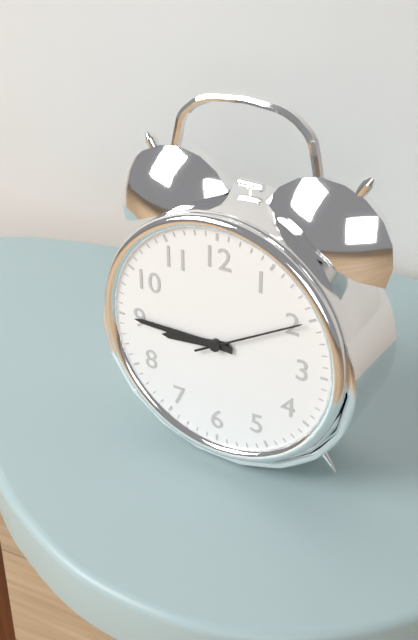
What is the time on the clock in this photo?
8:45:10
